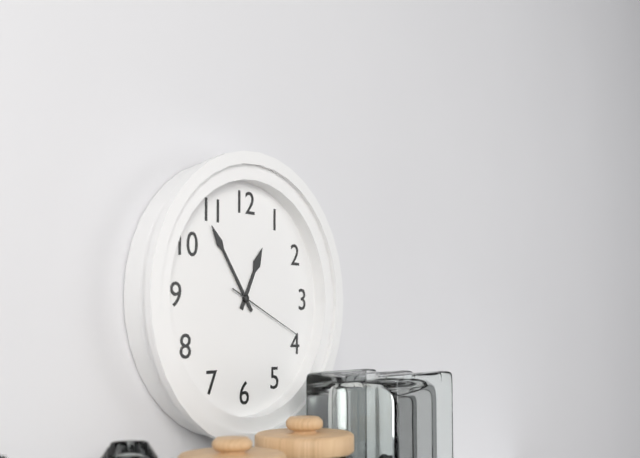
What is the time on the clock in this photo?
12:54:19
